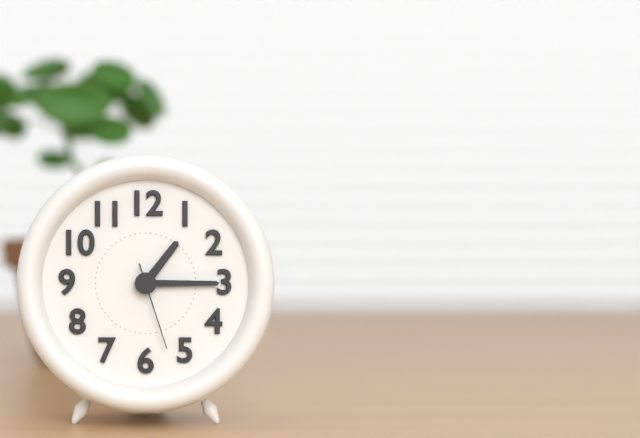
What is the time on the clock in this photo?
1:15:27
